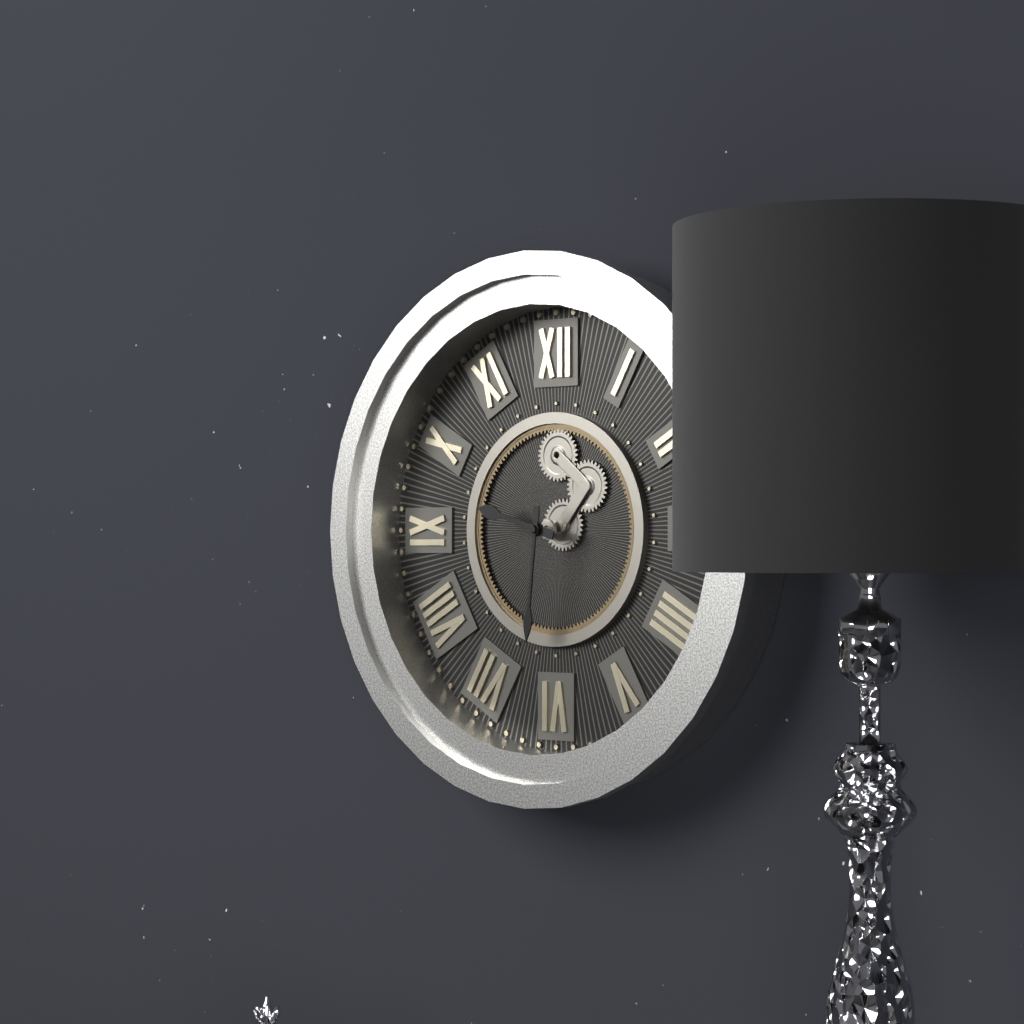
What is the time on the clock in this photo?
9:31
